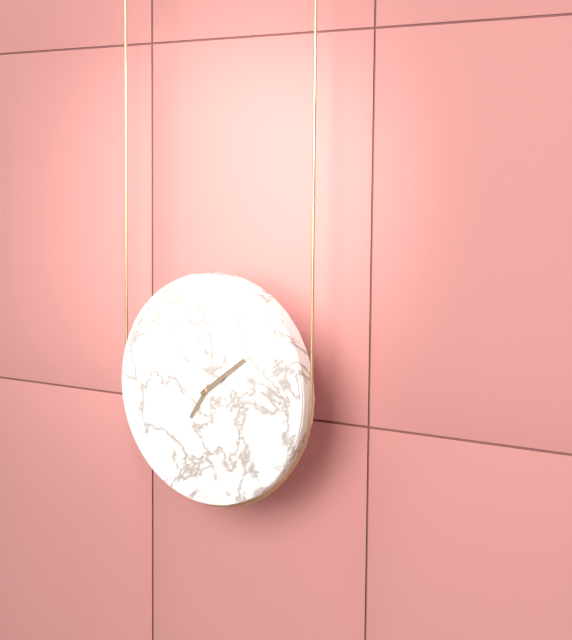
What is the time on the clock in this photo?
7:09
